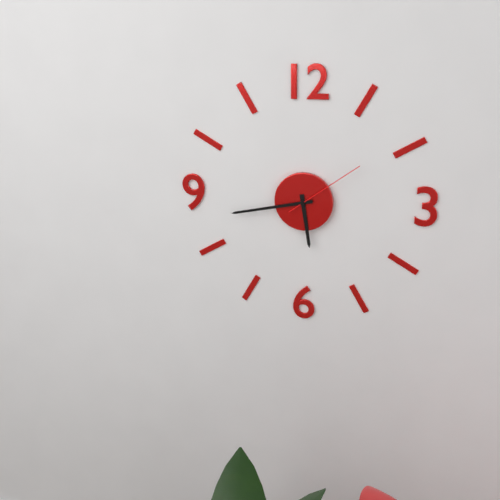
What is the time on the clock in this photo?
5:43:09
